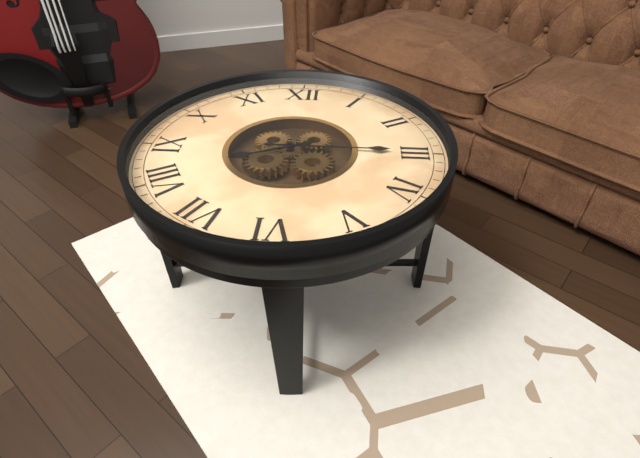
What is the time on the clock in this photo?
8:15
